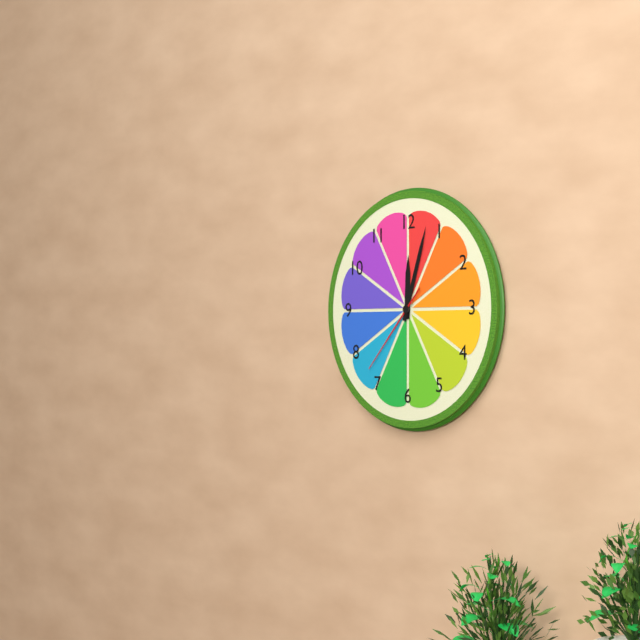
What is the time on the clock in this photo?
12:03:37
